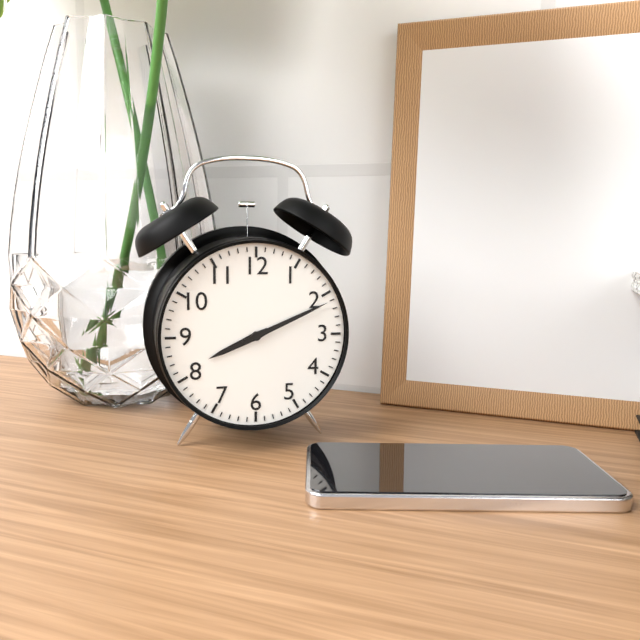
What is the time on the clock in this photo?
8:11
